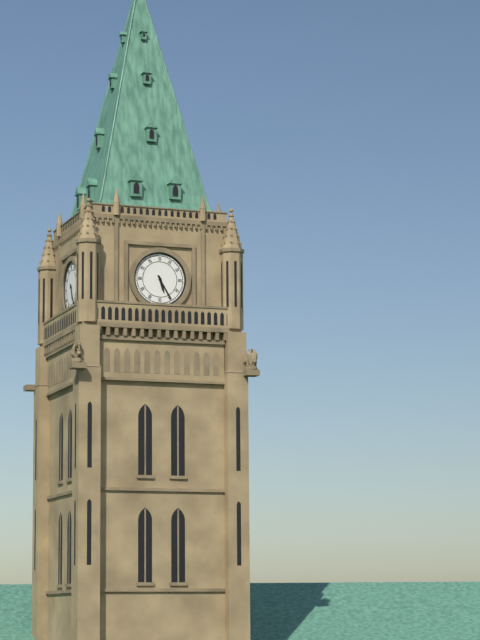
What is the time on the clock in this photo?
5:25
